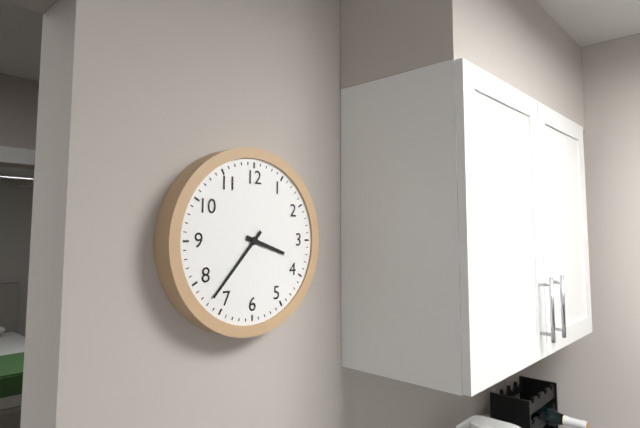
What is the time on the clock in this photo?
3:37
